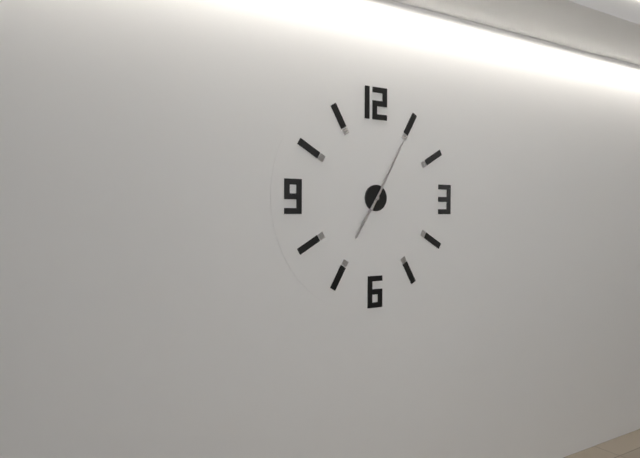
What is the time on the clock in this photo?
7:05
